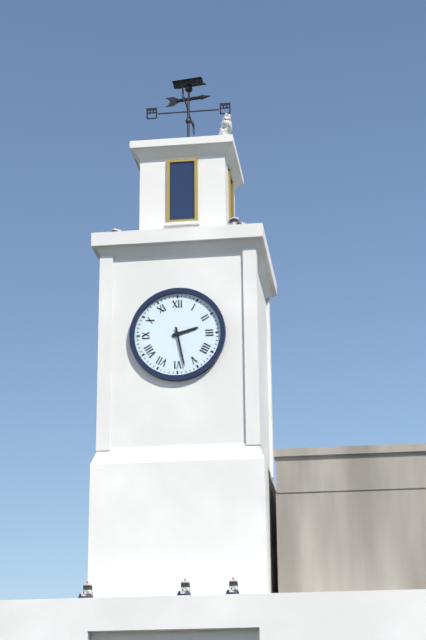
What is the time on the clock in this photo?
2:28
